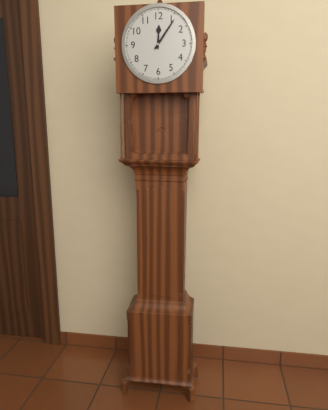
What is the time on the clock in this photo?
12:06
